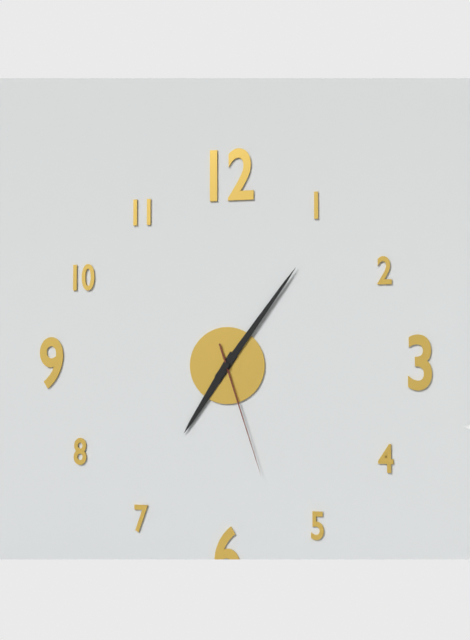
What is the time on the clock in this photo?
7:06:27
